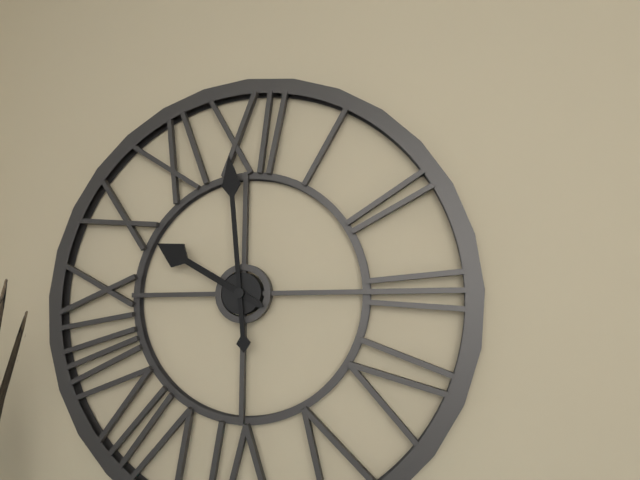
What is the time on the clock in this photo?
9:59
